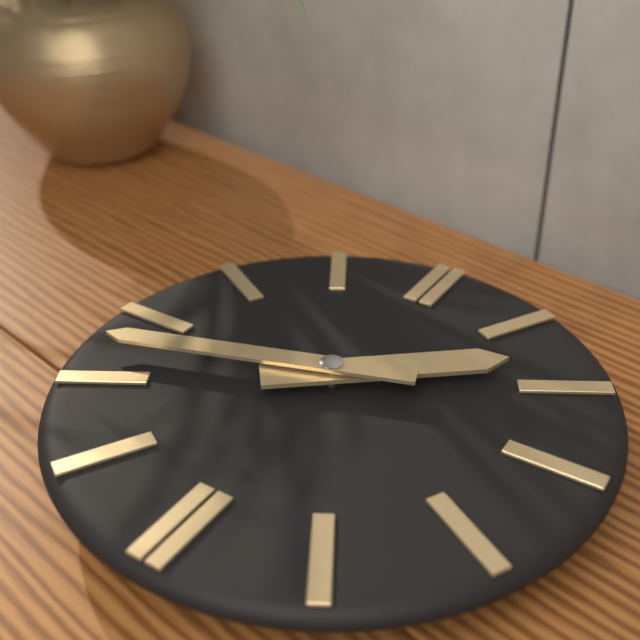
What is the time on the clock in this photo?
1:42
